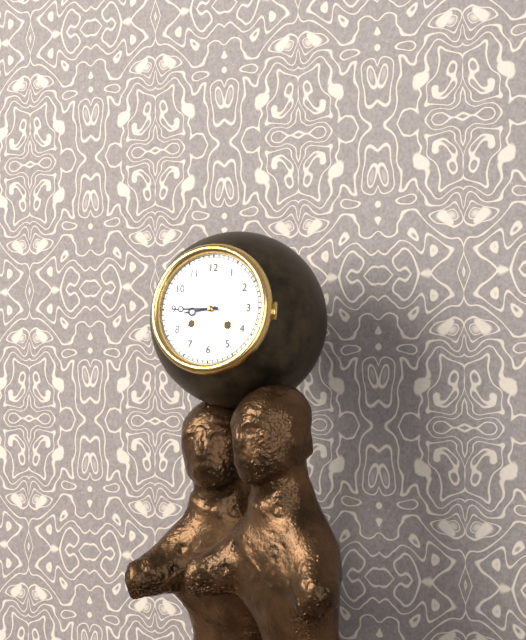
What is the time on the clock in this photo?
8:45
